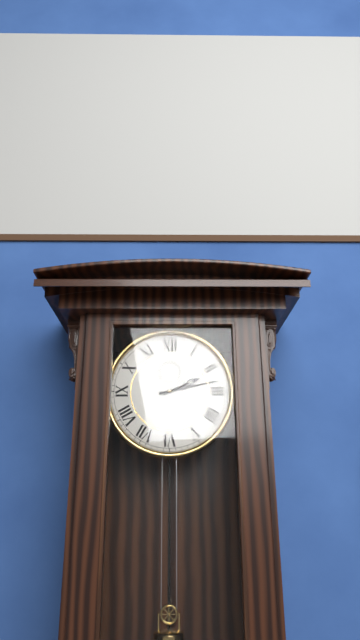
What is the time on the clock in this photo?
2:13
